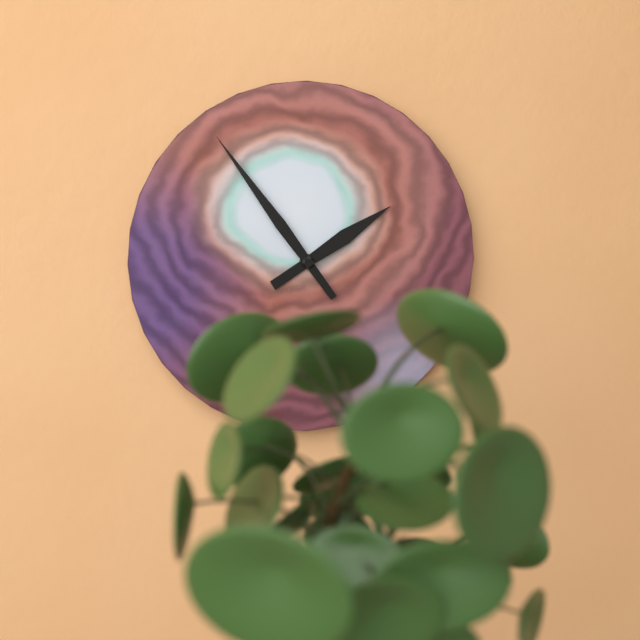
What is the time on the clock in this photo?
1:54
